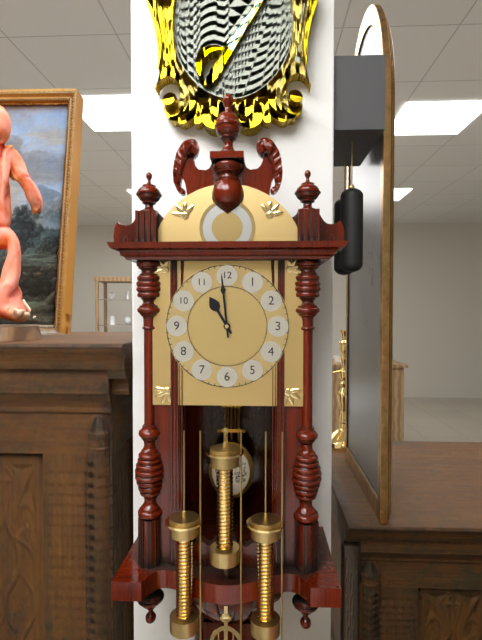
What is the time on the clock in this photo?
10:59
